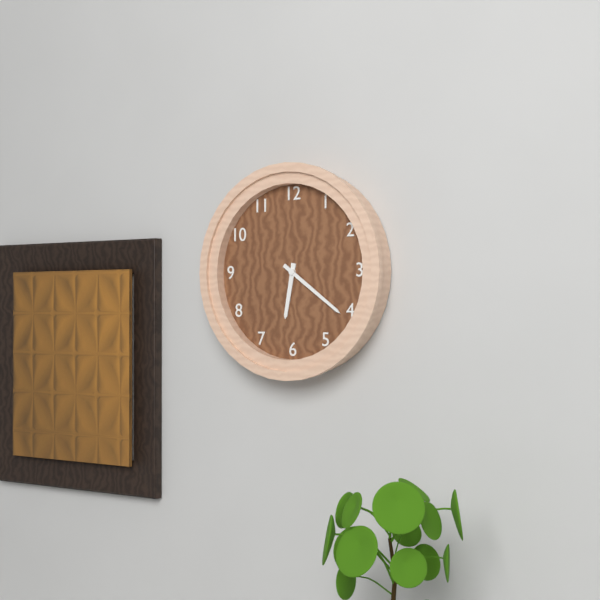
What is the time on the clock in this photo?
6:21
